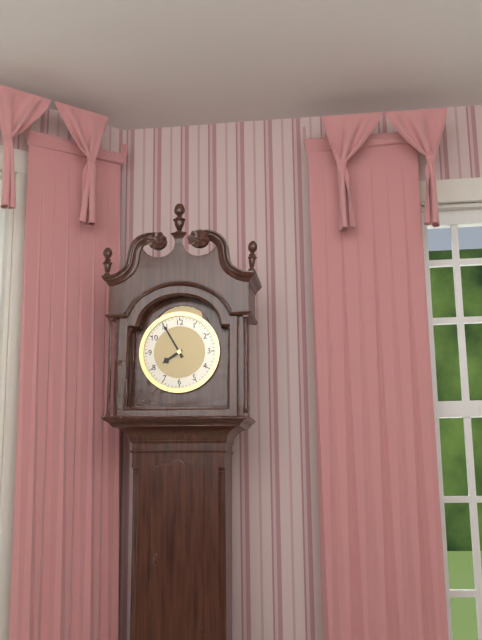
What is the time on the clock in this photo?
7:55
